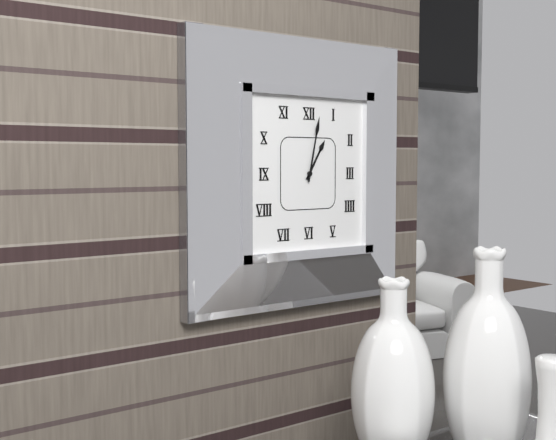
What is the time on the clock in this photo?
1:02
